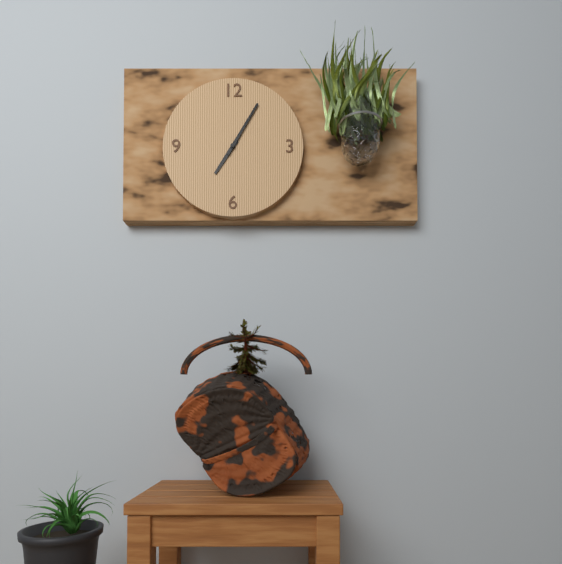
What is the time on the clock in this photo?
7:05
